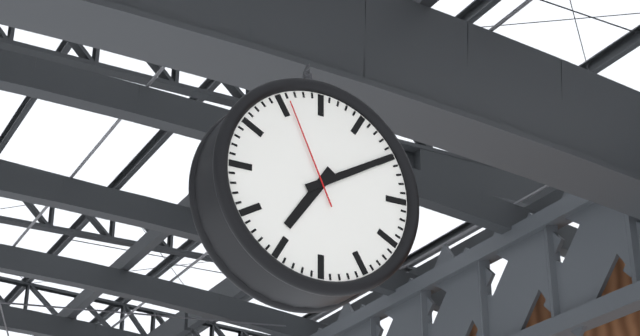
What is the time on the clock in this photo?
7:10:56
